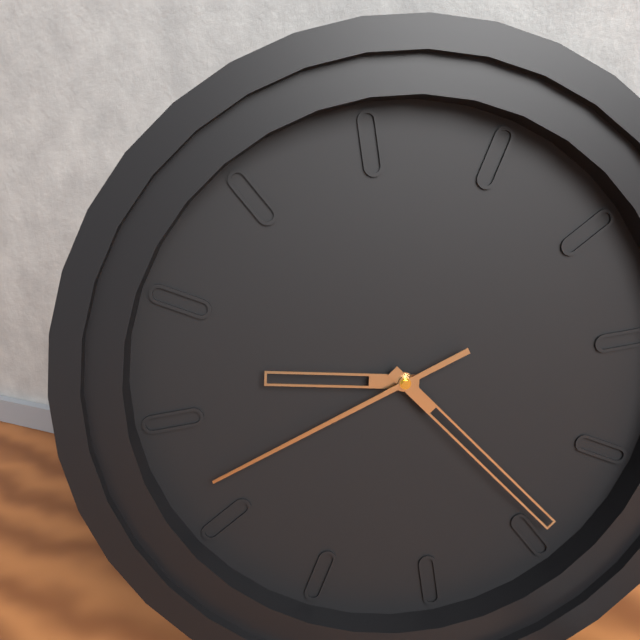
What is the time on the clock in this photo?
9:24:42
